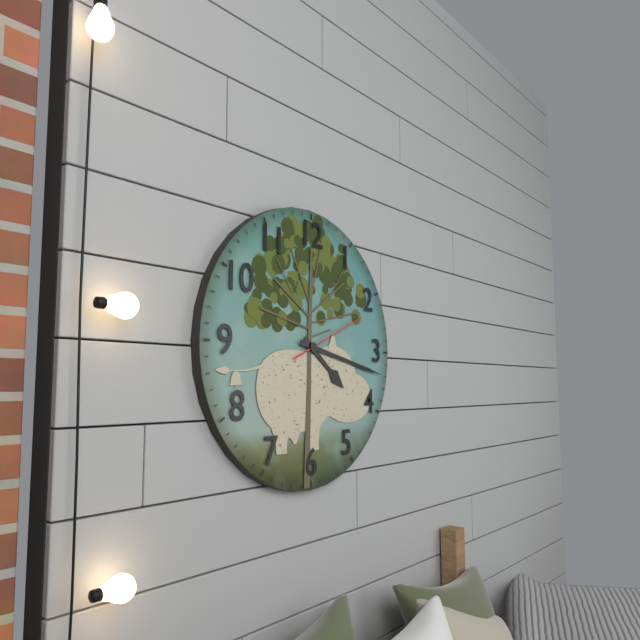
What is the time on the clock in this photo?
4:17:11
